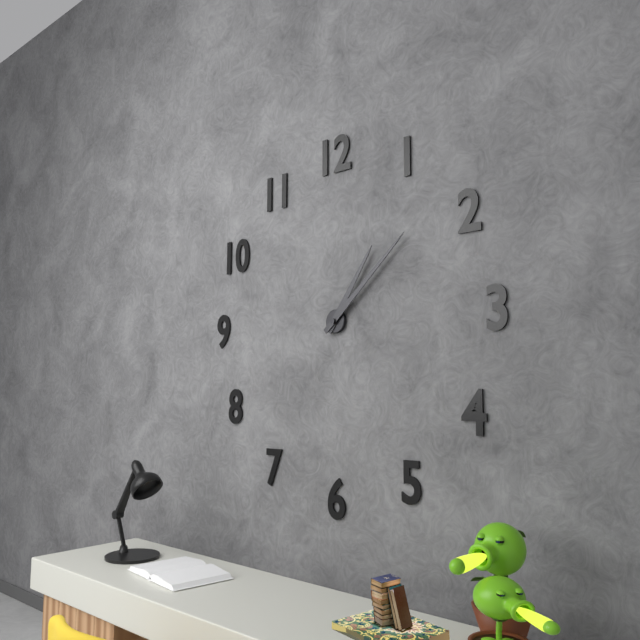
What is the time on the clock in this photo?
1:08
